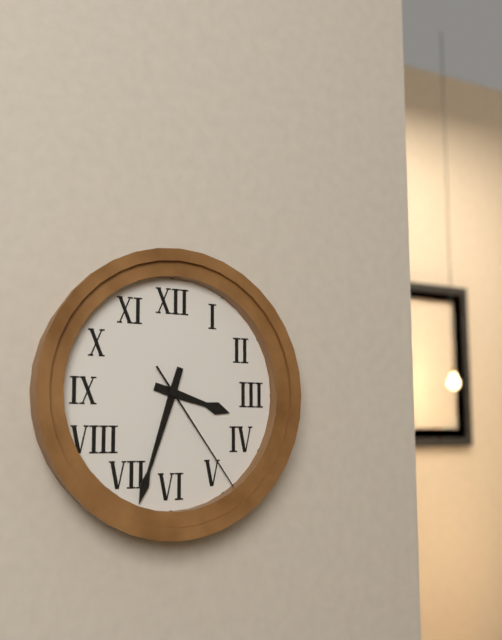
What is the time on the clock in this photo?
3:33:24
